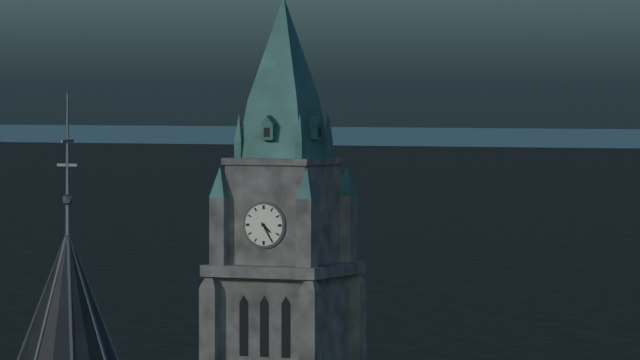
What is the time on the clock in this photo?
4:25
